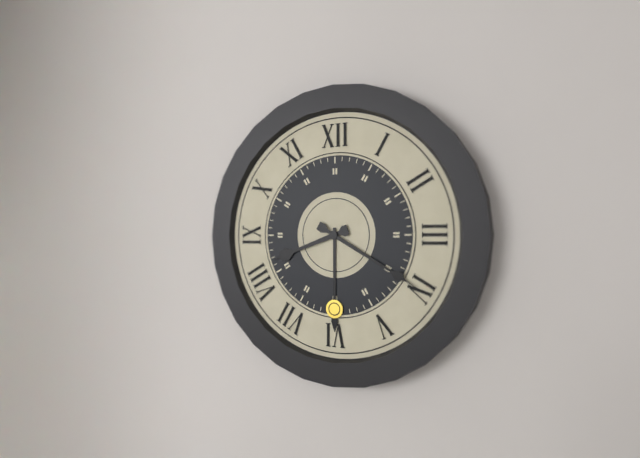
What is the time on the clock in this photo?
8:20
